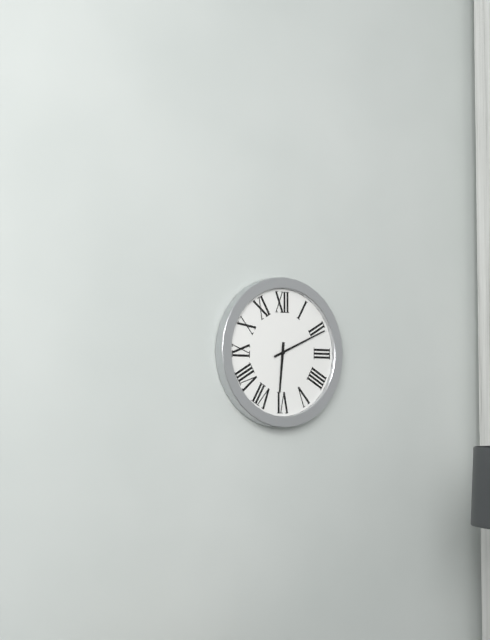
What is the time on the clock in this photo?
6:11
